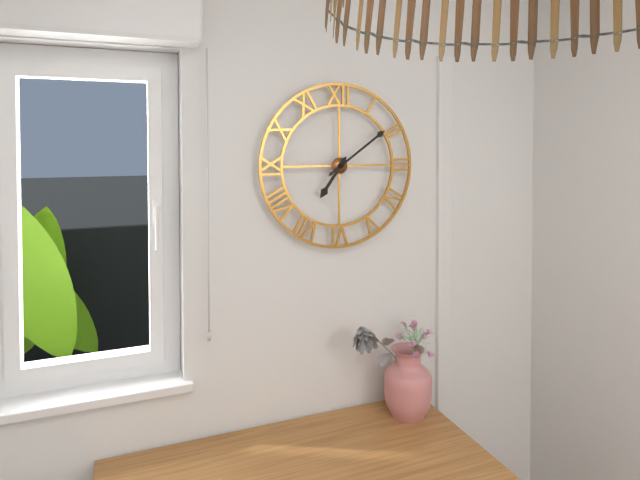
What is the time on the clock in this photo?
7:09
